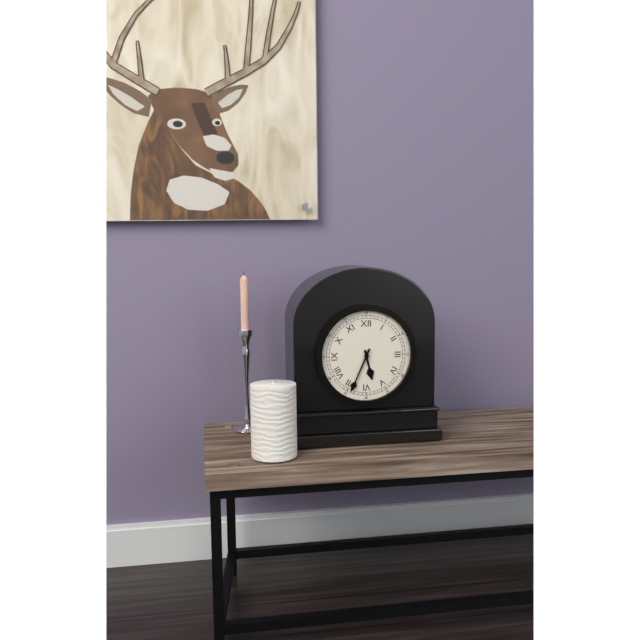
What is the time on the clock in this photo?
5:34
